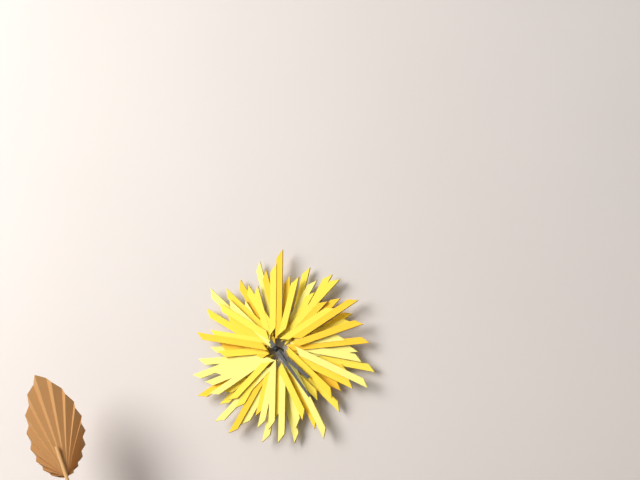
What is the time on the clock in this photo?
4:24
